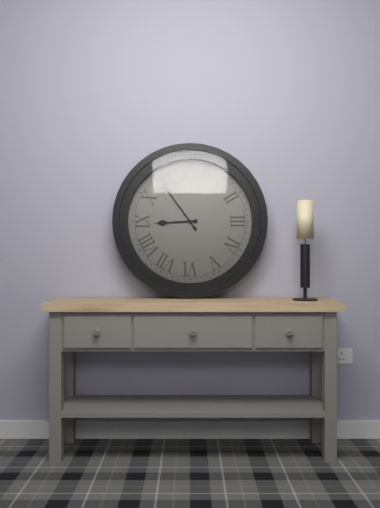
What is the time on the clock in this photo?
8:54
